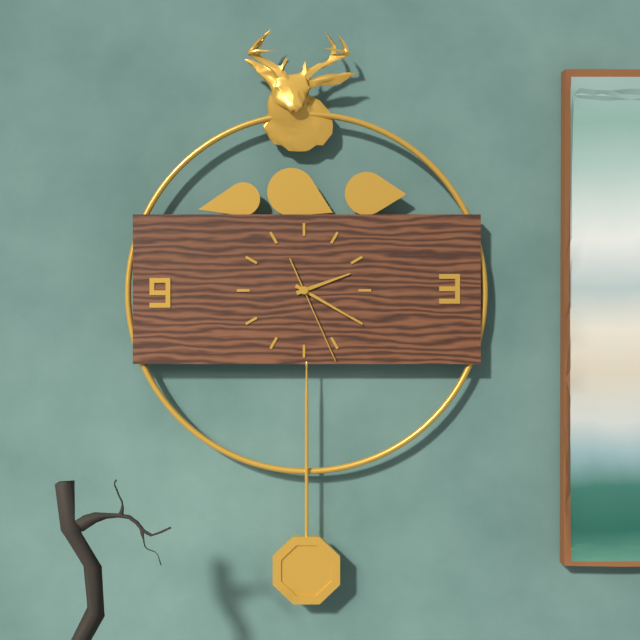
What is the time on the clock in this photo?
2:20:26
